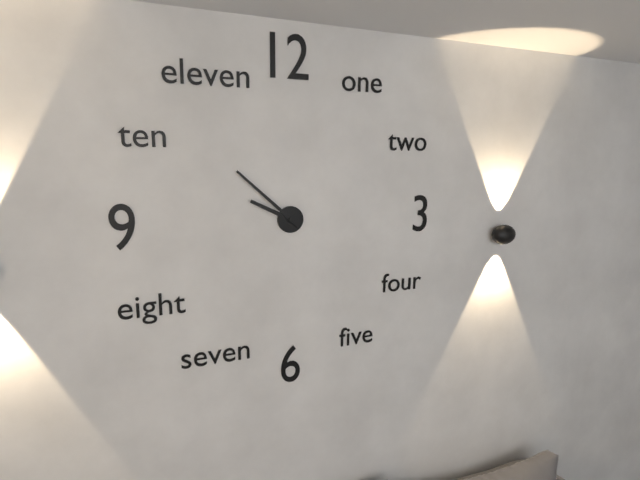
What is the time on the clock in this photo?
9:52
